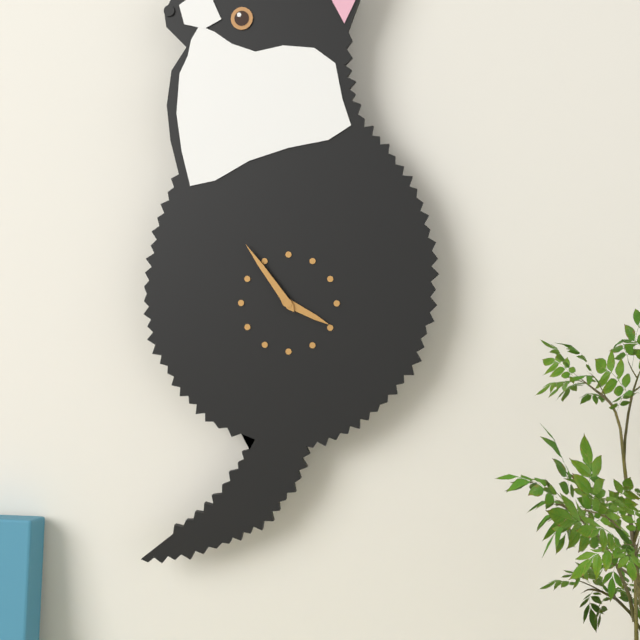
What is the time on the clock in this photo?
3:54
